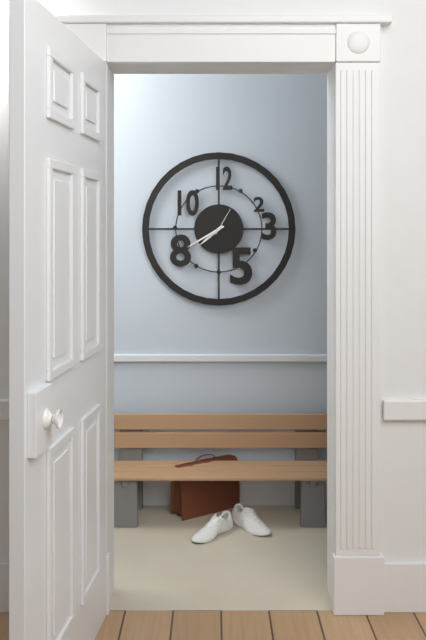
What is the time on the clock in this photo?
7:40
